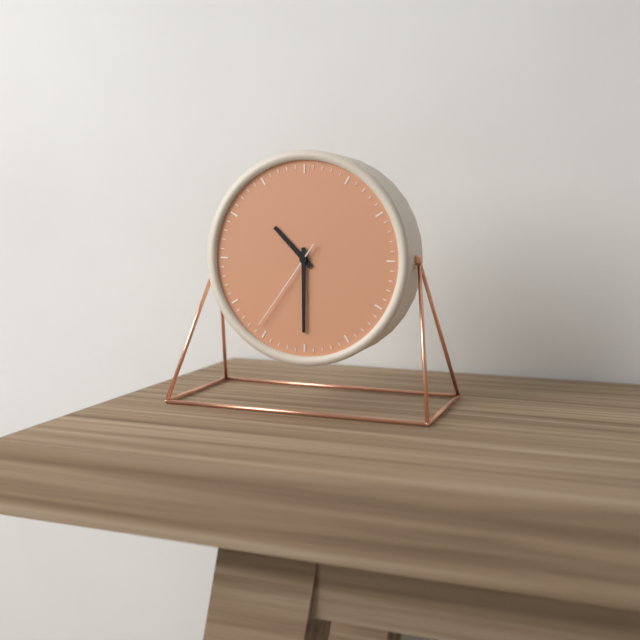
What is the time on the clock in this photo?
10:30:36
